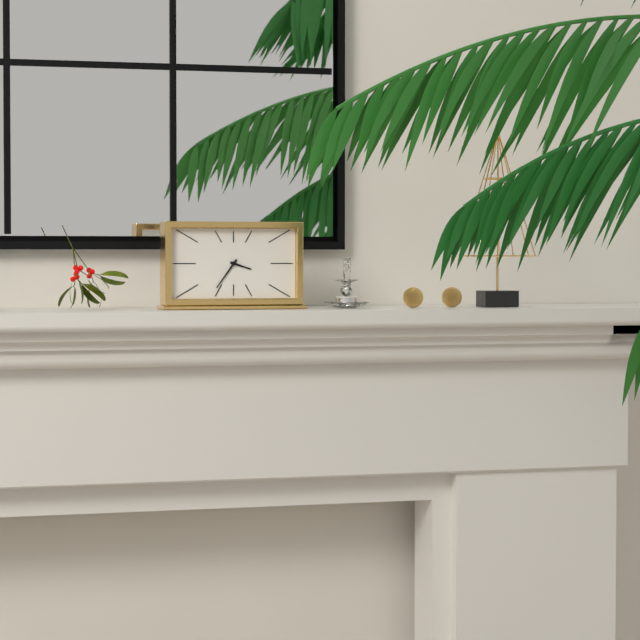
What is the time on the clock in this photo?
3:36
